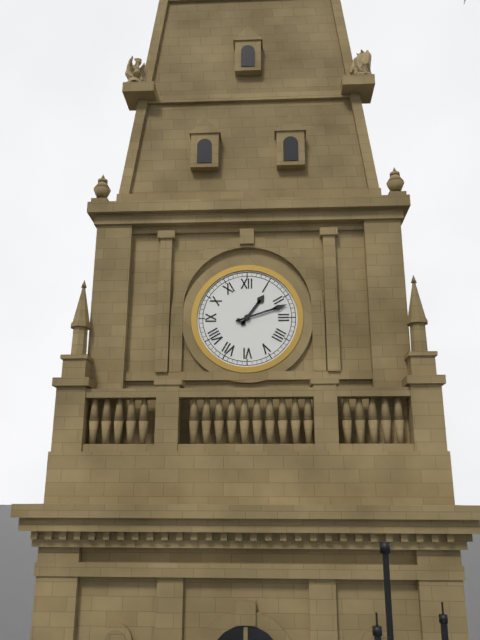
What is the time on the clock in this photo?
1:12
